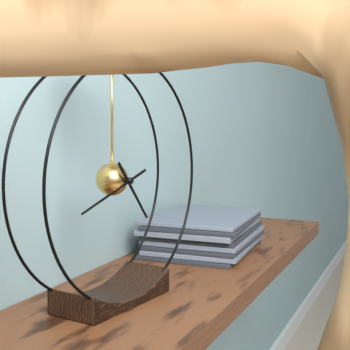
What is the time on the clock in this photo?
4:42
